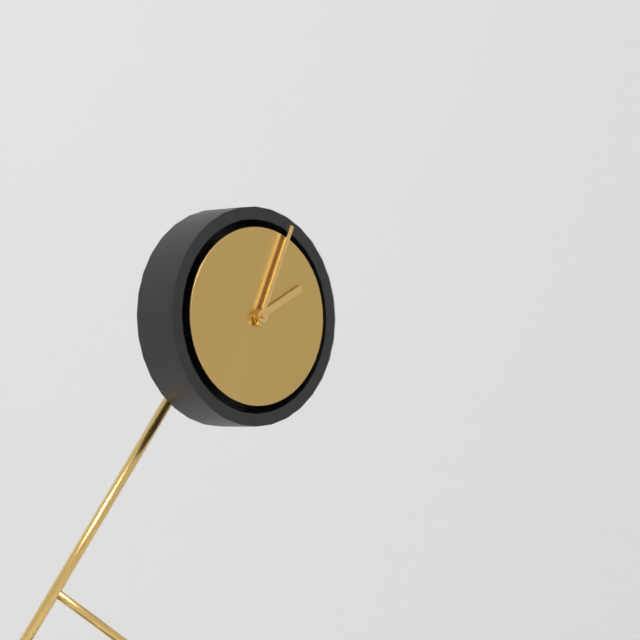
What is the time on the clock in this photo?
2:04
